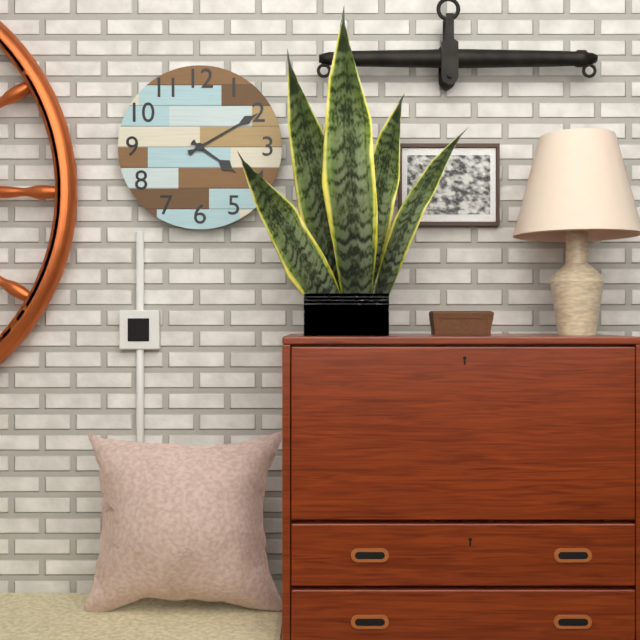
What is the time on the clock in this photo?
4:10
